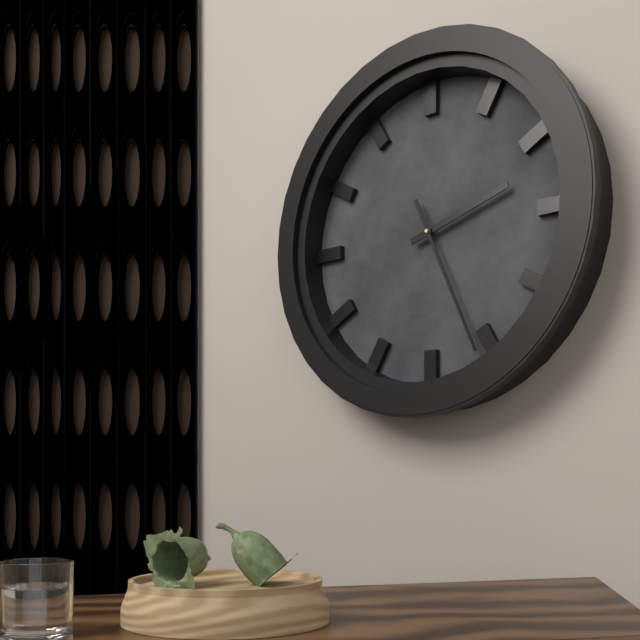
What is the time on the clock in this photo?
2:26
